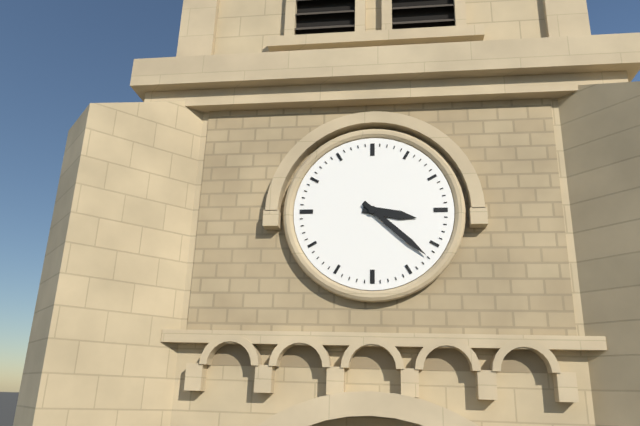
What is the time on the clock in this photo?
3:22
